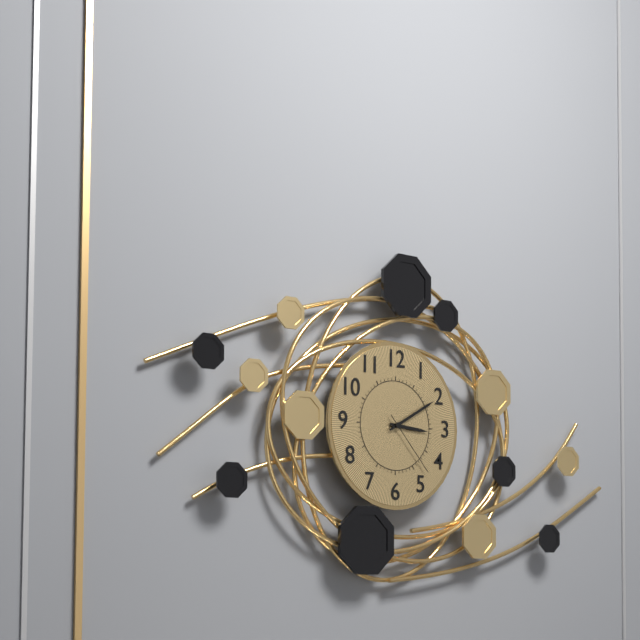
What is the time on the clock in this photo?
3:10:23
